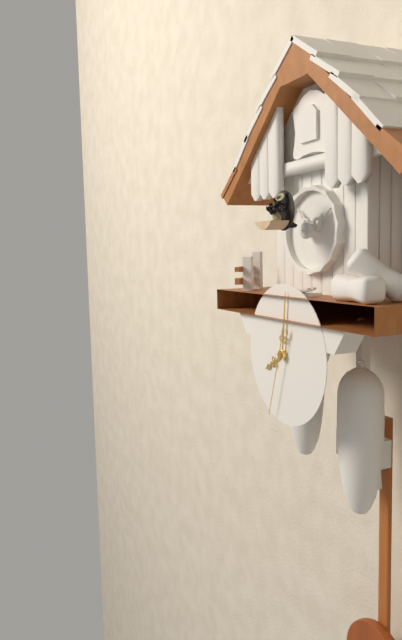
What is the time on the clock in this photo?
8:01:33
